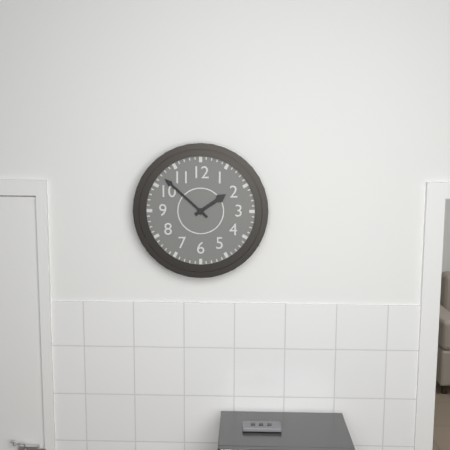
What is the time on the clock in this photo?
1:52
